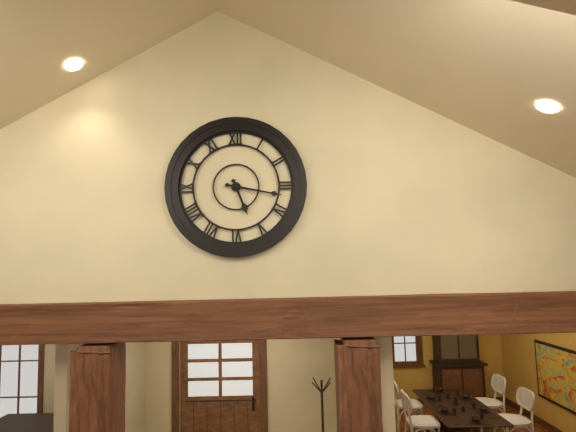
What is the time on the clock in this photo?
5:17
